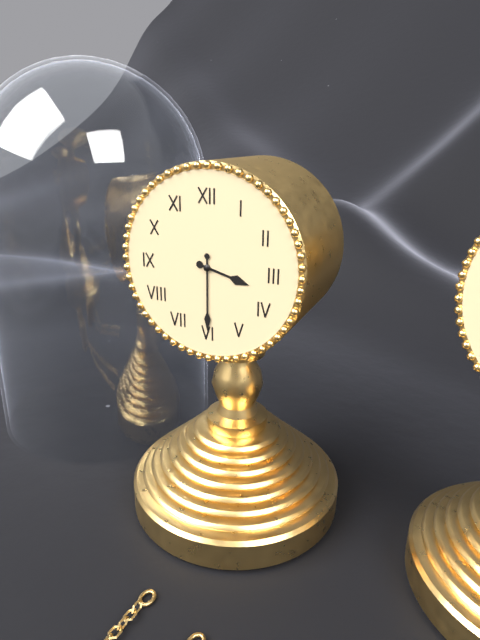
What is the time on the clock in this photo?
3:30
